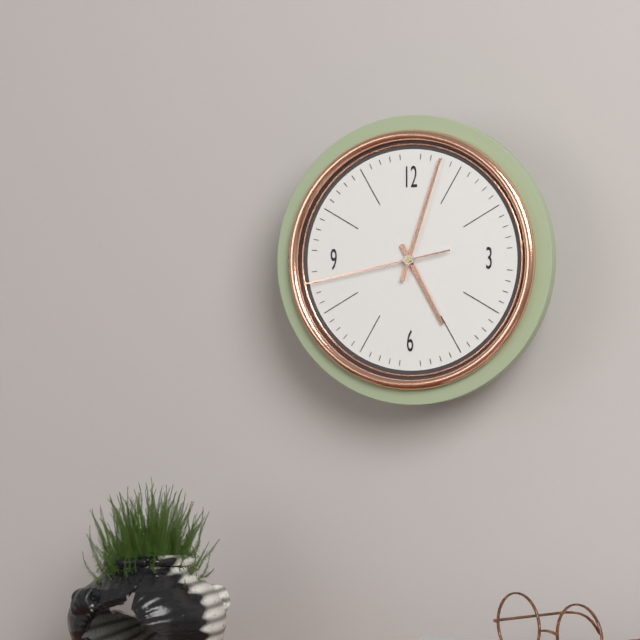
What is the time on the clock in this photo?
5:03:43
